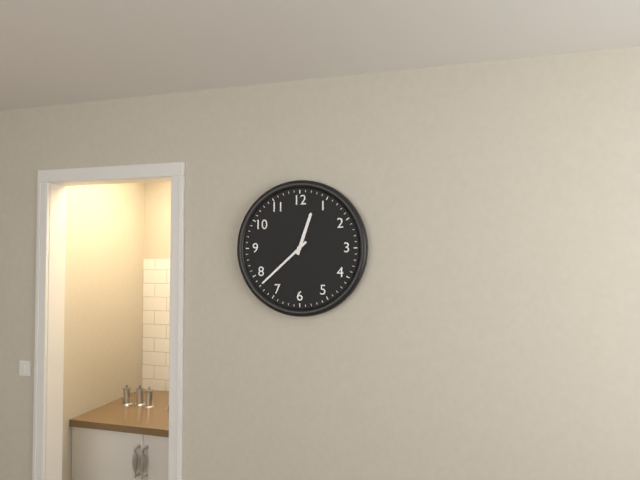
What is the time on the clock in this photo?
12:38
